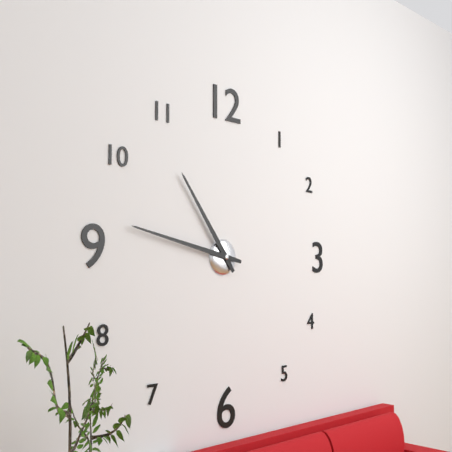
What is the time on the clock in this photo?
10:47
